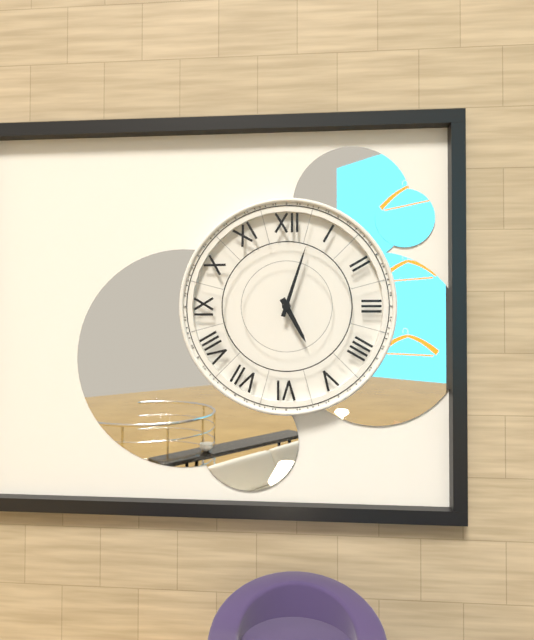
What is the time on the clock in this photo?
5:03
